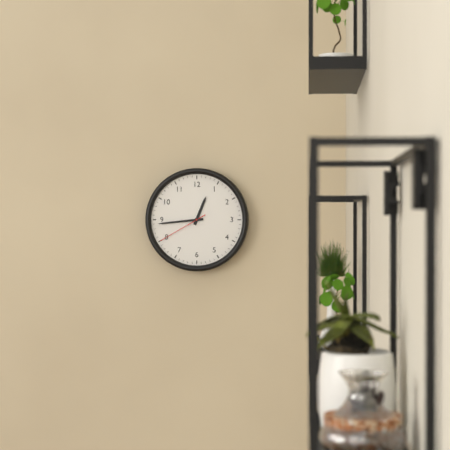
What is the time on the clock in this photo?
12:44:40
